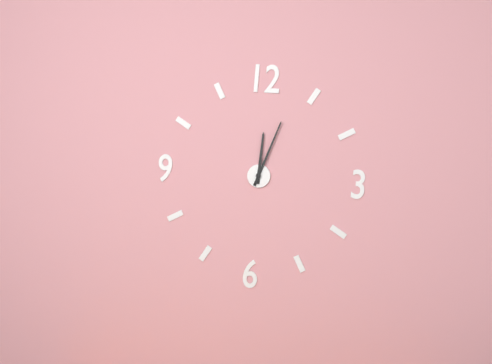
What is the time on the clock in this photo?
12:03
